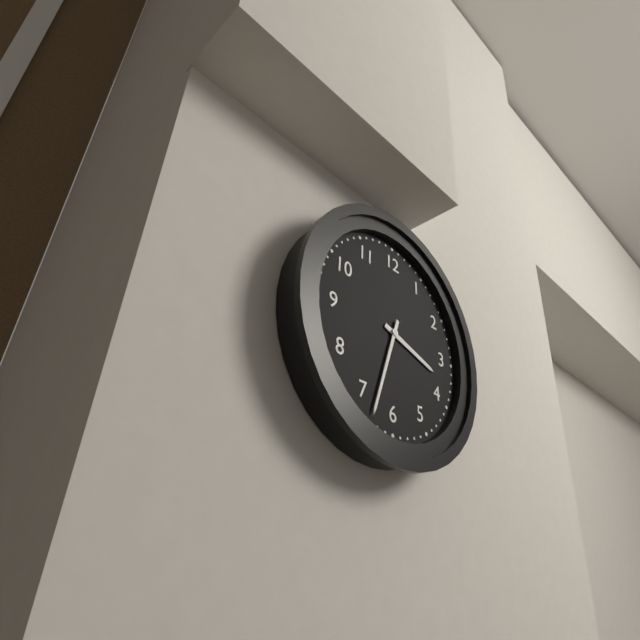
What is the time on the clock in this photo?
3:33
